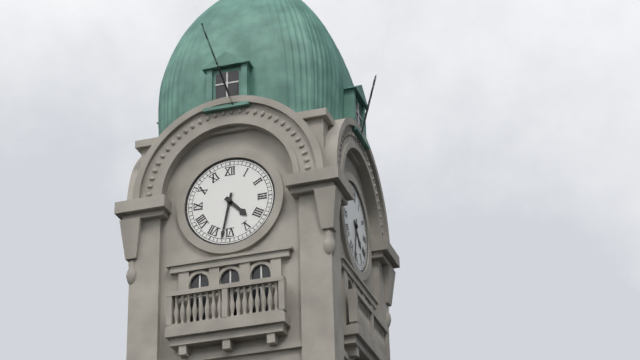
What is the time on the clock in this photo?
4:32
